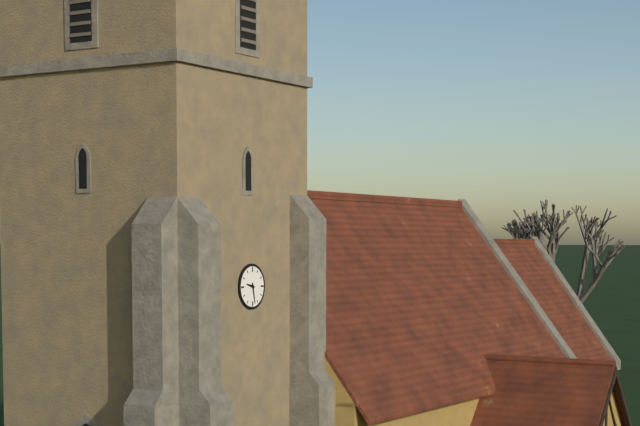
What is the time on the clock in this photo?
9:28
